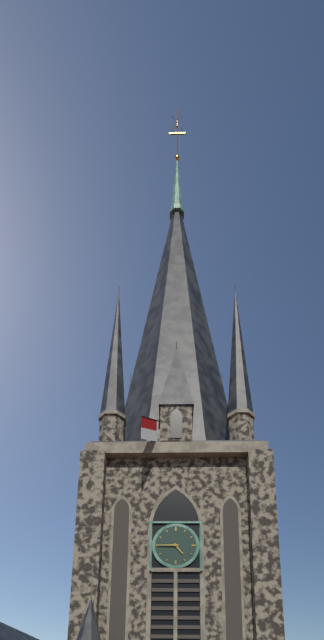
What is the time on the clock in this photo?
4:45
